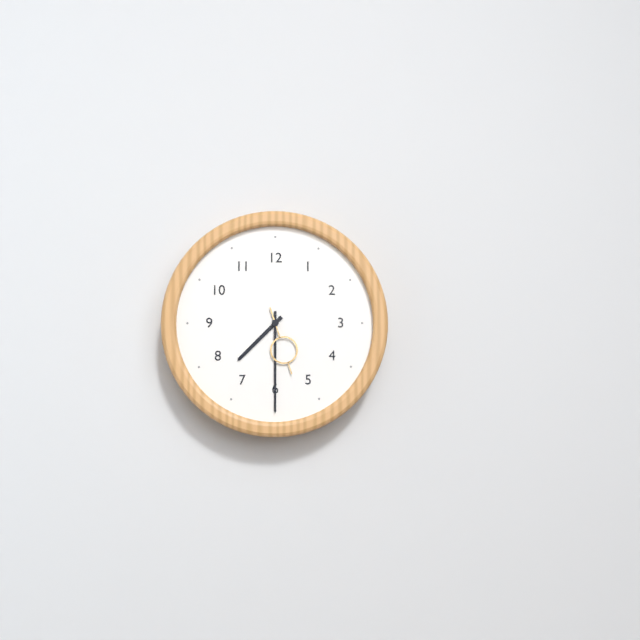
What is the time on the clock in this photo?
7:30:27
